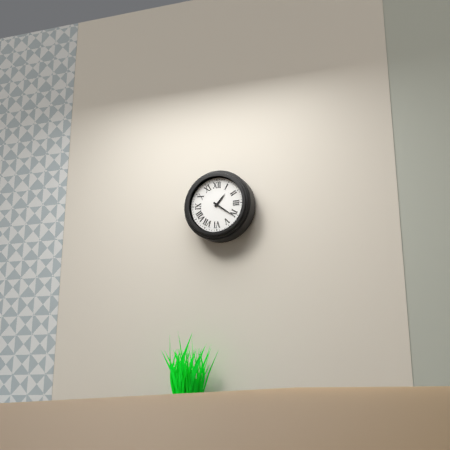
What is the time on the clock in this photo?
1:21
